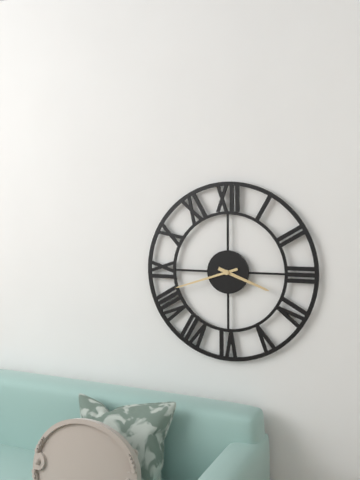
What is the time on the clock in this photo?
3:42
